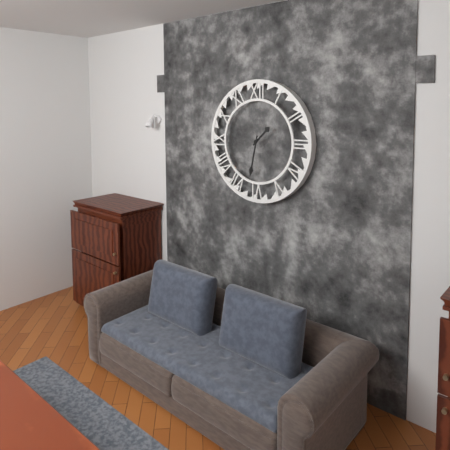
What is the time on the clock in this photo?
1:32
